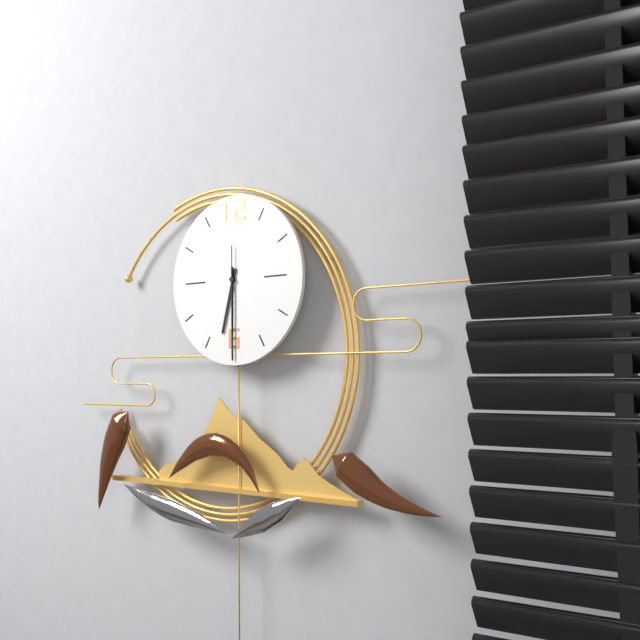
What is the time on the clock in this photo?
6:30:30
